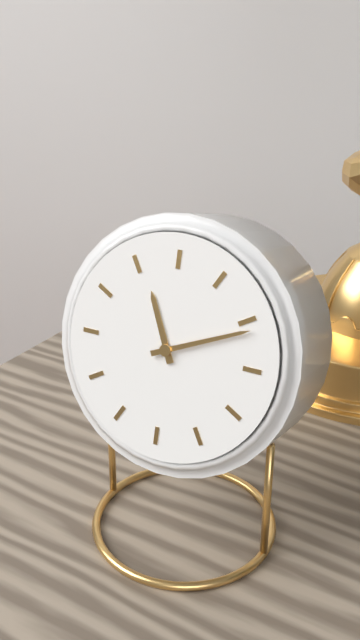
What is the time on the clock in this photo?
11:11
